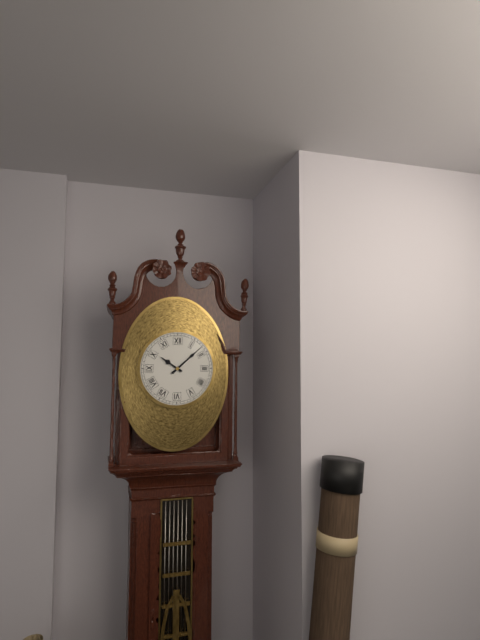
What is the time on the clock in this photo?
10:08
